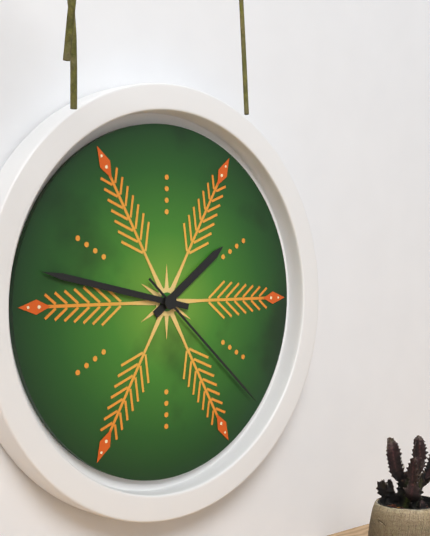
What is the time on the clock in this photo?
1:47:22
